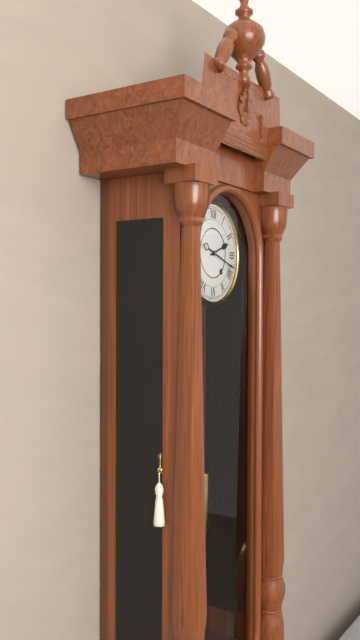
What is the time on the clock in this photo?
2:18
